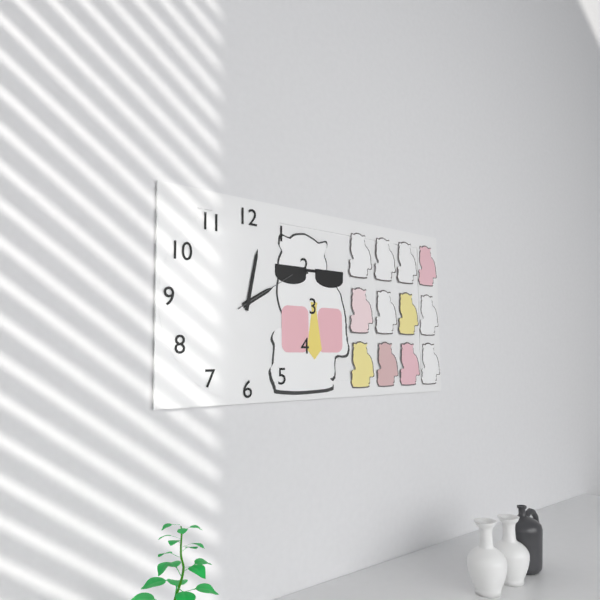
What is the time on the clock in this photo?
2:02:10
